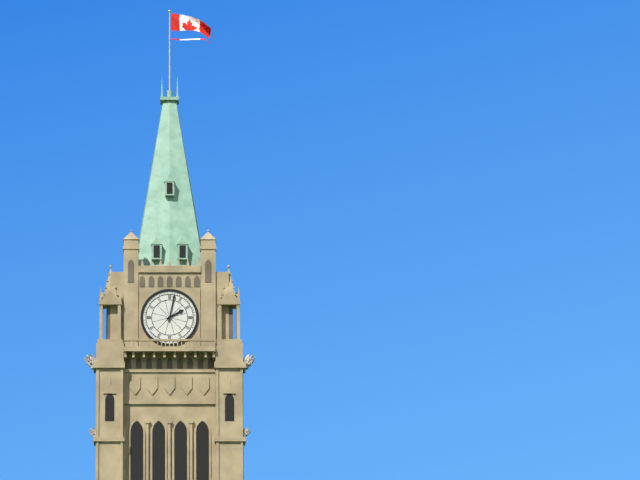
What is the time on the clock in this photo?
2:02
